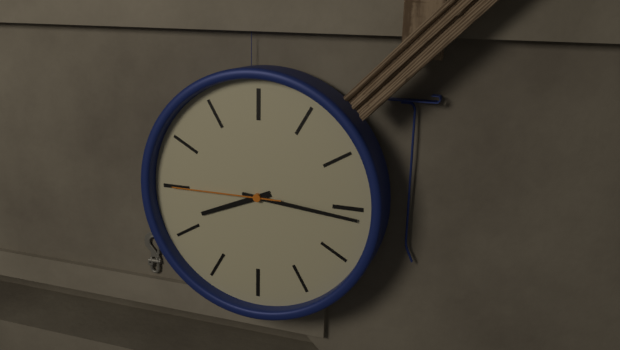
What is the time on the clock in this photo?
8:16:45
